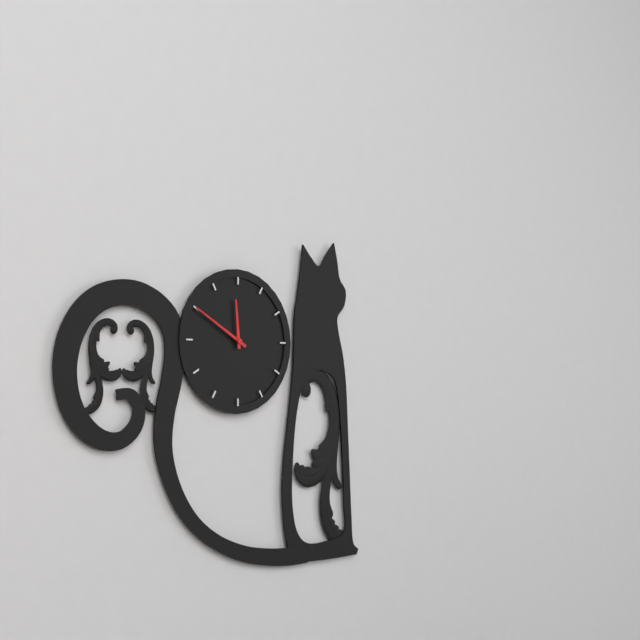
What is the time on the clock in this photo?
11:50
